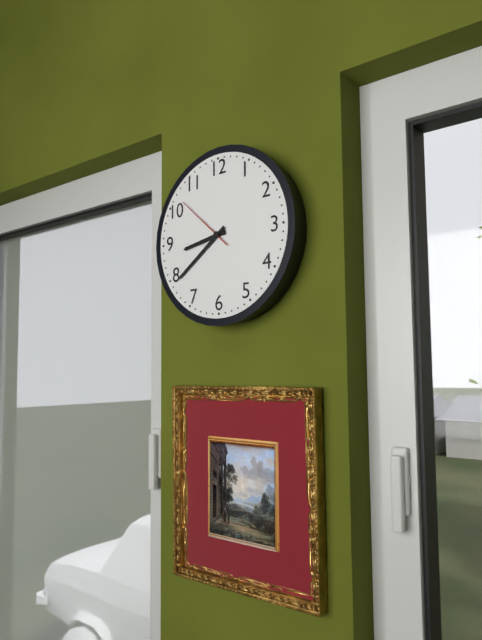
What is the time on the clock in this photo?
8:39:52
